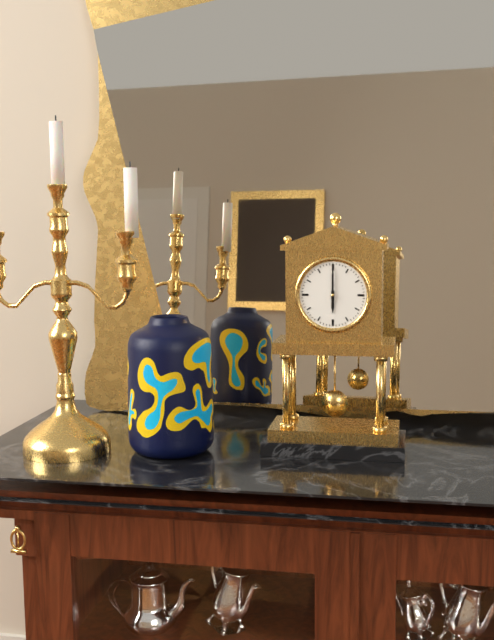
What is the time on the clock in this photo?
6:00
